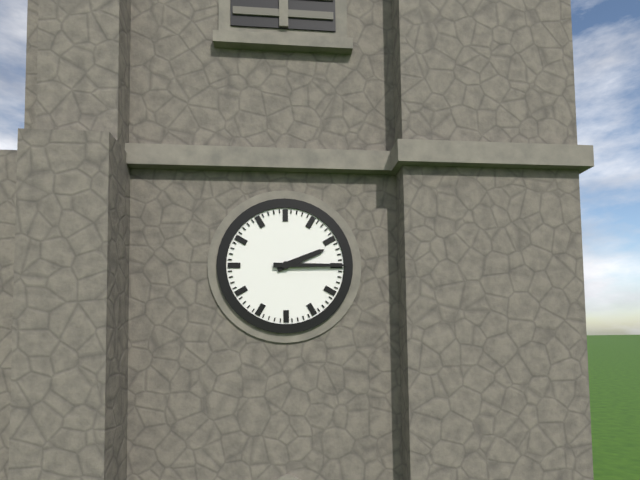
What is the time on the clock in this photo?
2:15
